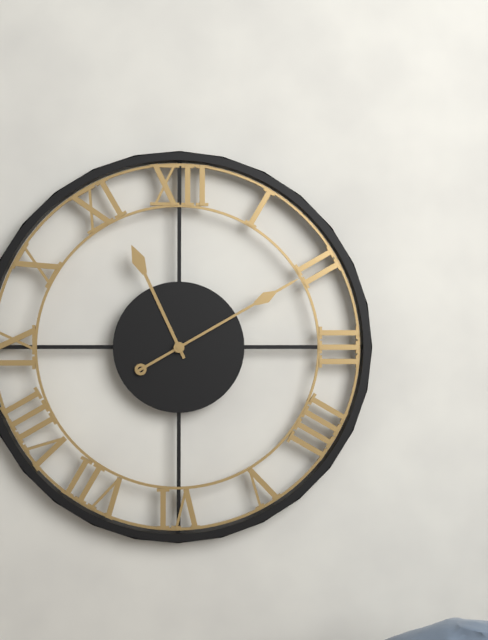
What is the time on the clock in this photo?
11:10
